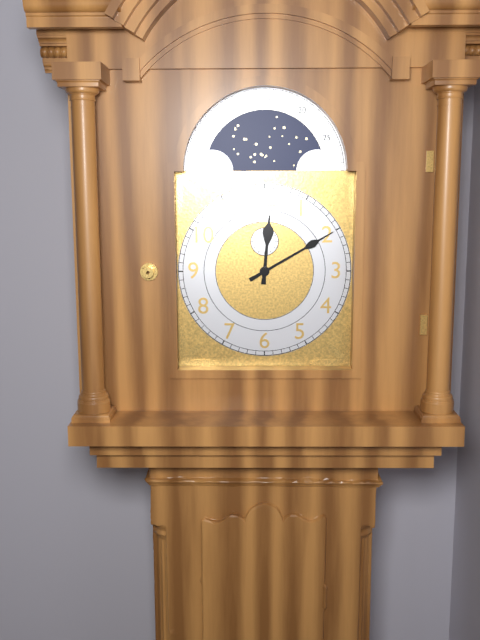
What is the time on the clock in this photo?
12:10
